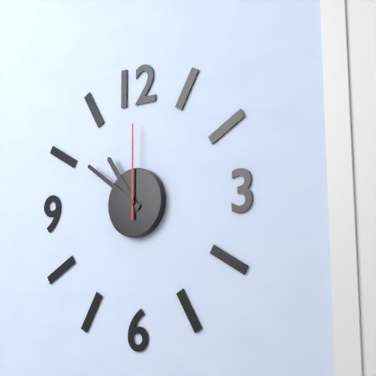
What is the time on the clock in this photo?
10:51:00
